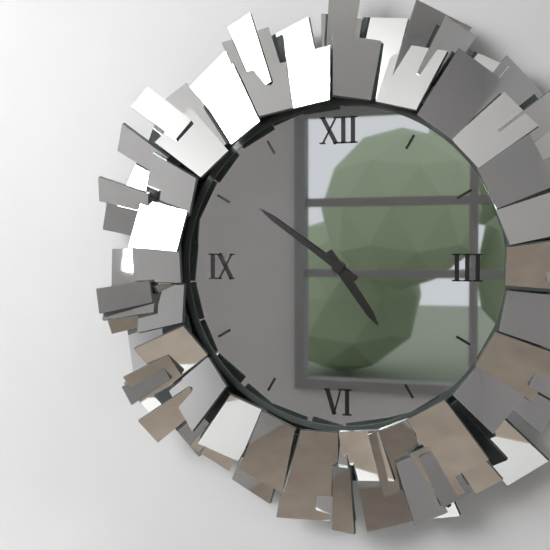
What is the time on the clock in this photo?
4:51
